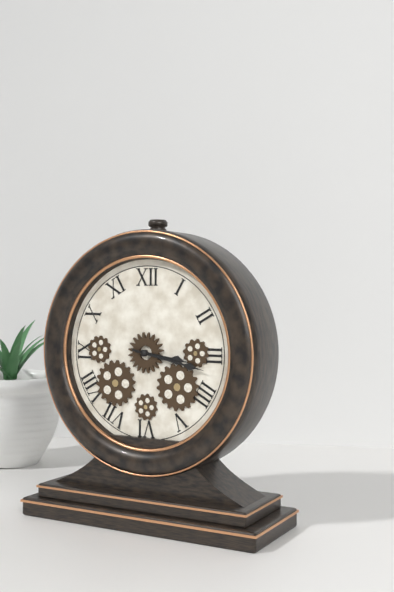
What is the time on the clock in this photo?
3:17
